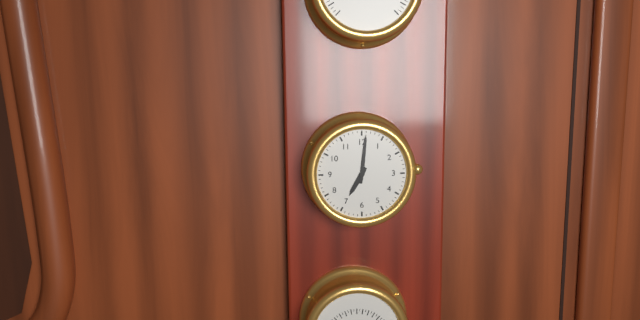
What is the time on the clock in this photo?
7:01
